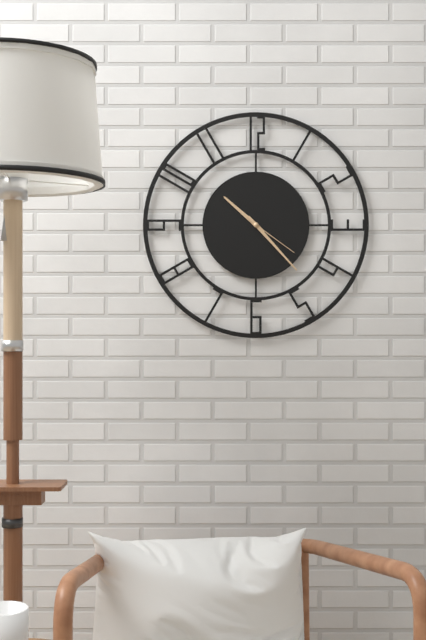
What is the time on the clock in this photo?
10:23:21
